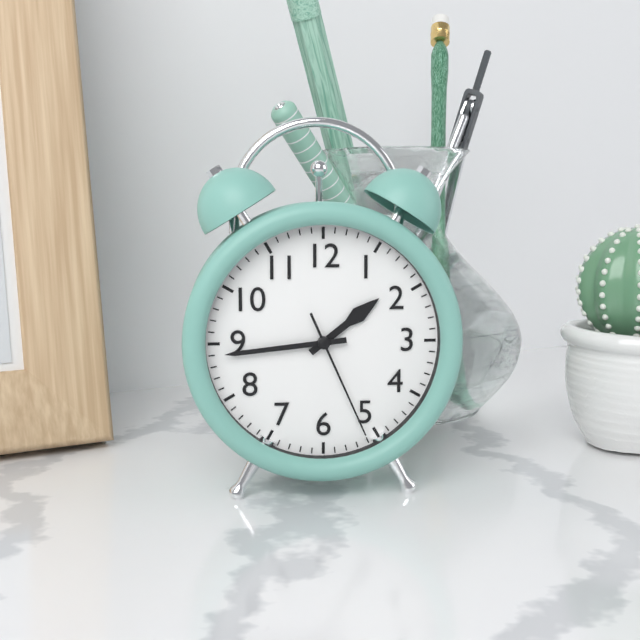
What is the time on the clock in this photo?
1:44:26
